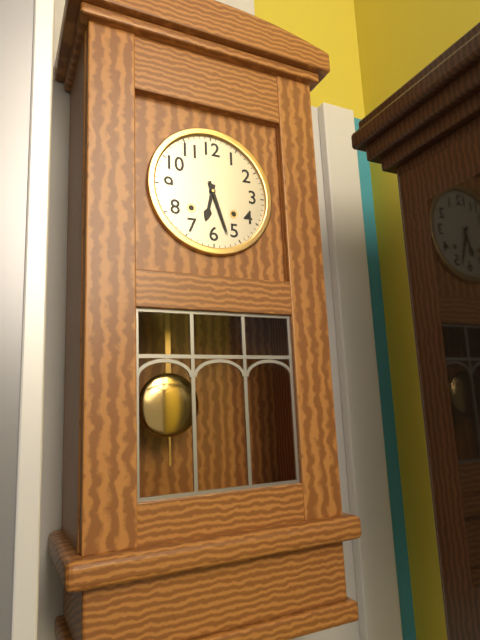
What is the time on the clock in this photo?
6:27
